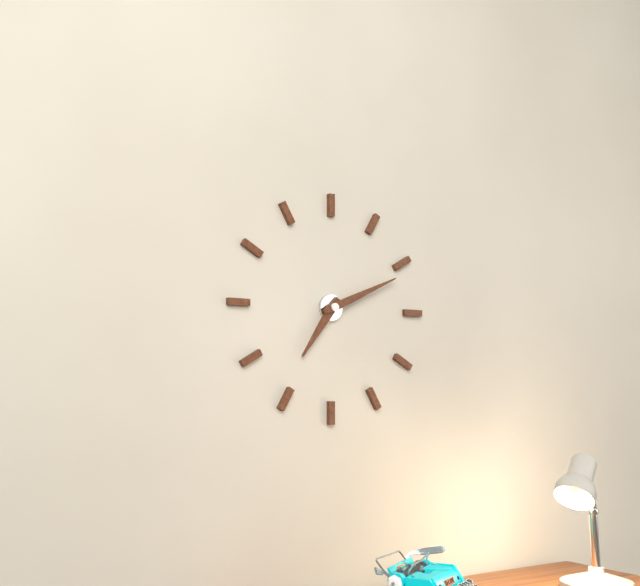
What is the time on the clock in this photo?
7:11
